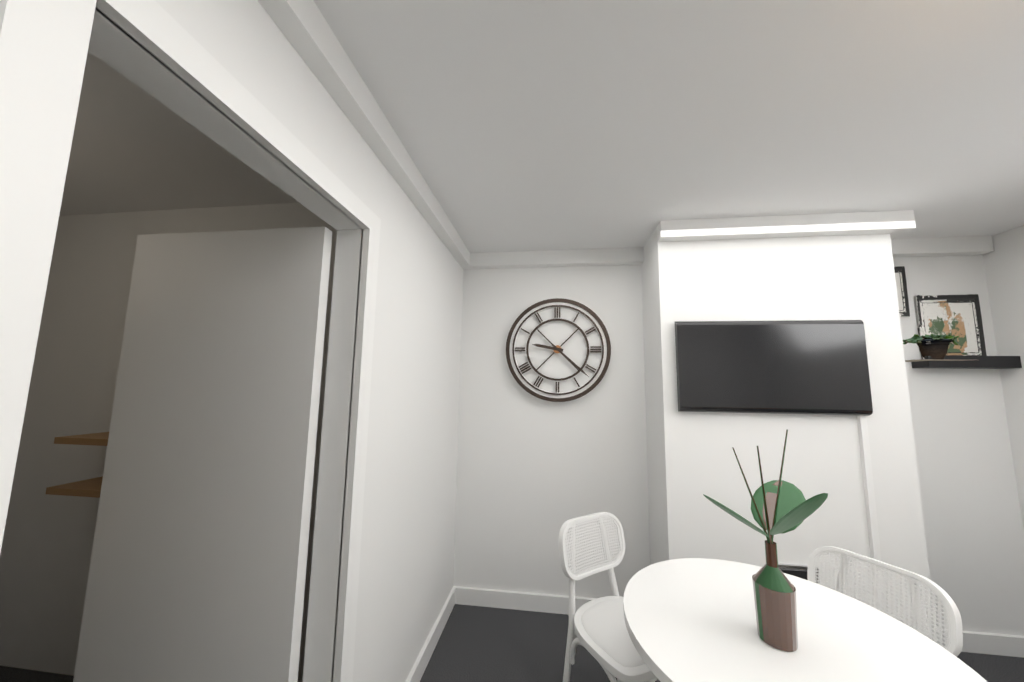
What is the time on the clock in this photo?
9:22
